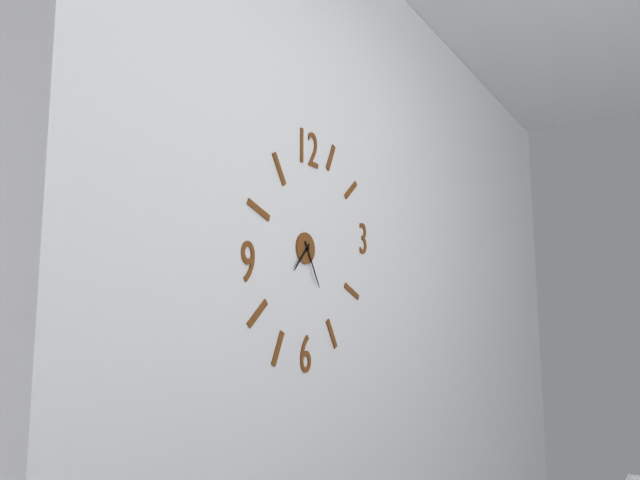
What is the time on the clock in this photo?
7:25
